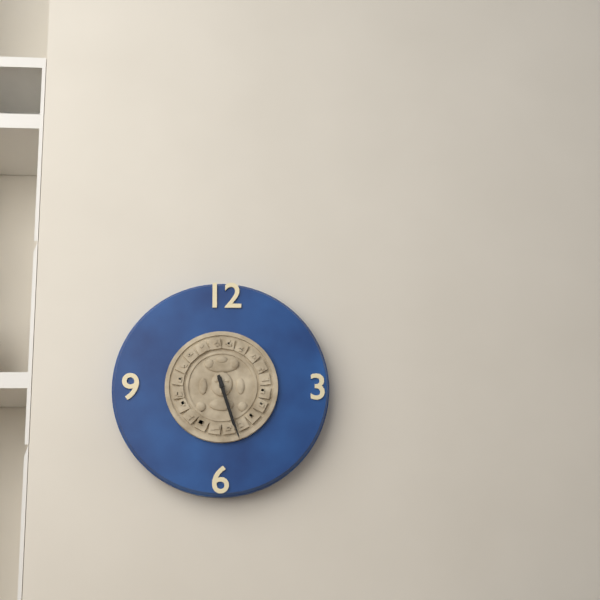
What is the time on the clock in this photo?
5:27
